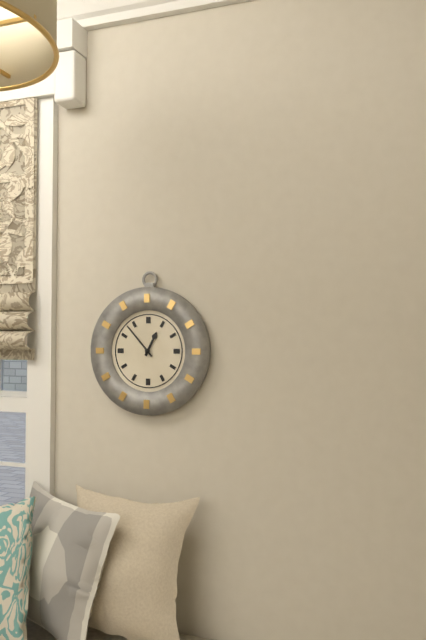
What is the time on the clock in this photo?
12:53
